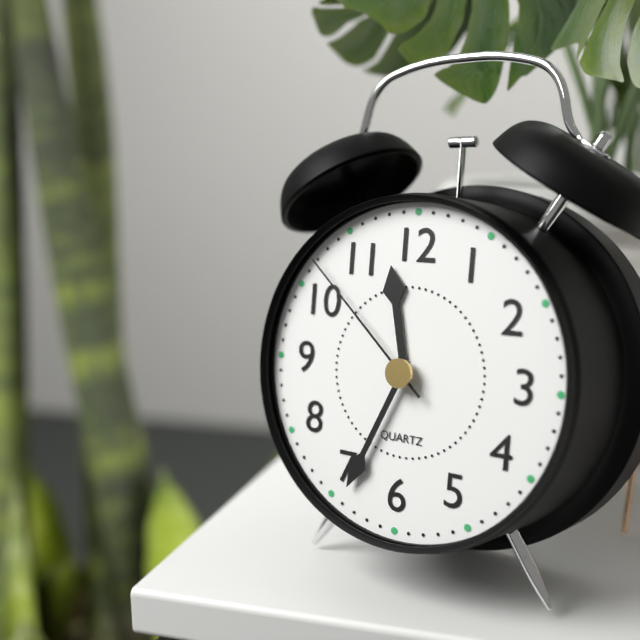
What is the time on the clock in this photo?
11:34:52
